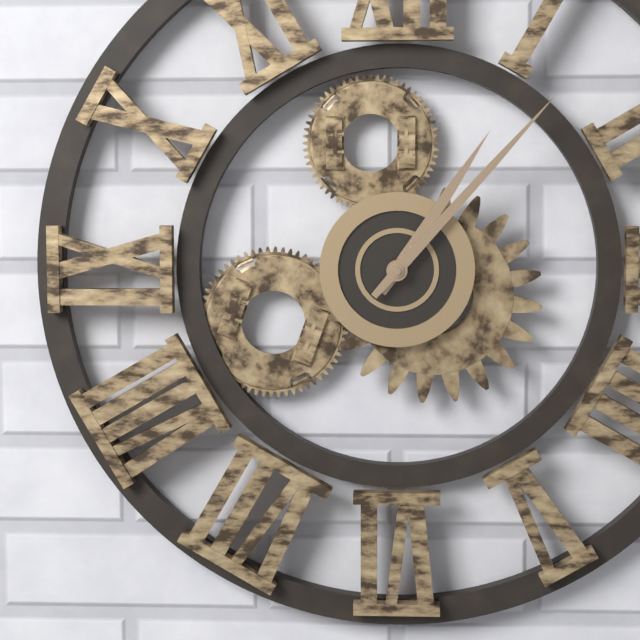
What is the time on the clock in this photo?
1:07
